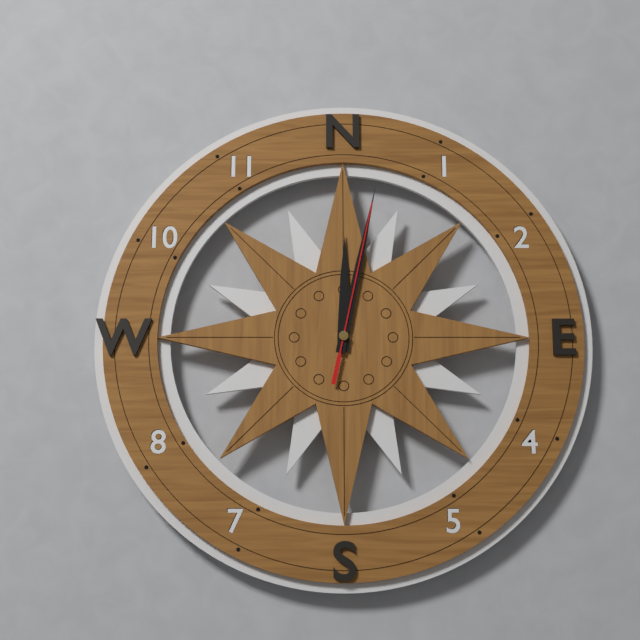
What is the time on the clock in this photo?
12:02:02
